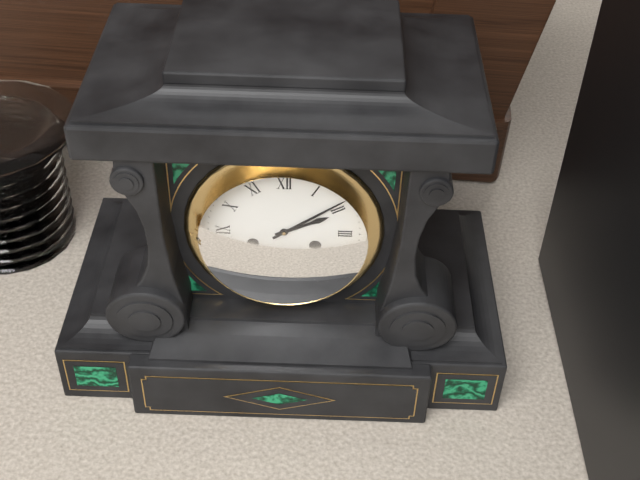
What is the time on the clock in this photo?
2:09
